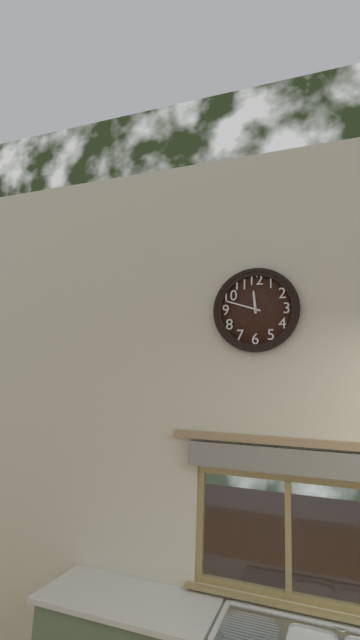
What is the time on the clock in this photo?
11:48
